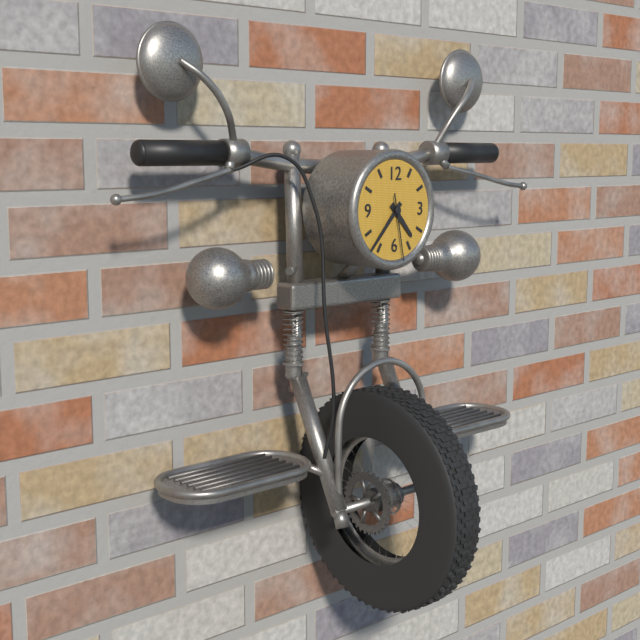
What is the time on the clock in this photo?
4:37:28
